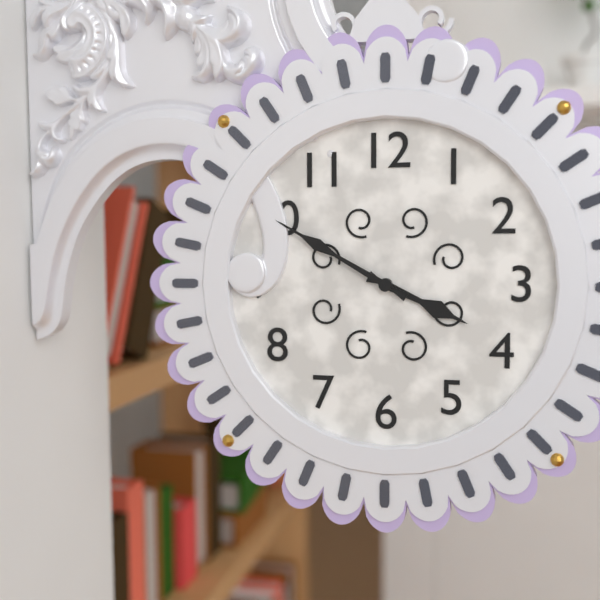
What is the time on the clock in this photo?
3:50
